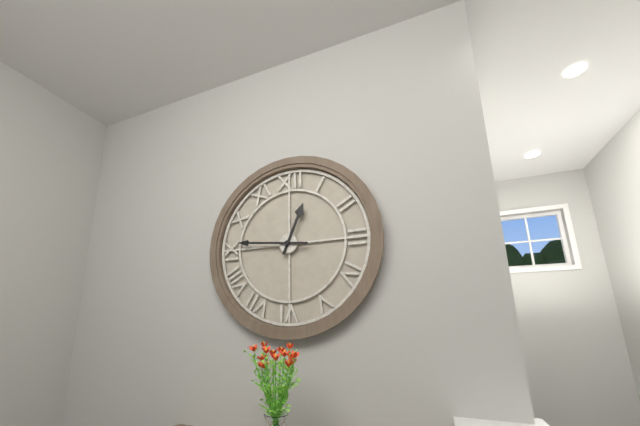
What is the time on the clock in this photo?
12:46
